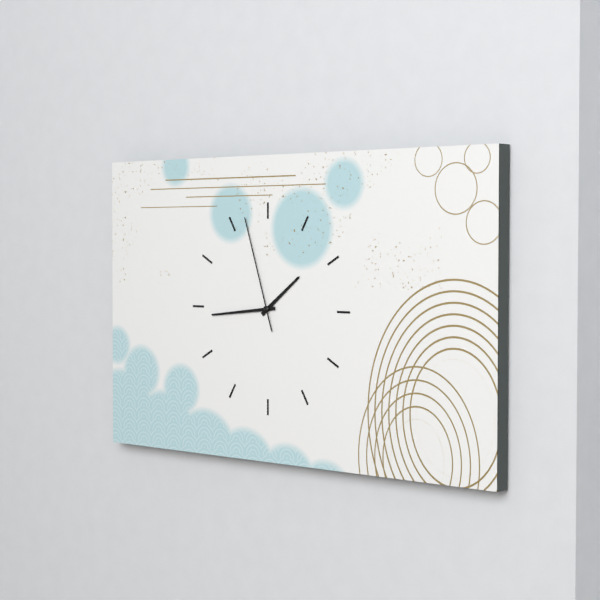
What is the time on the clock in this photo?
1:44:57
